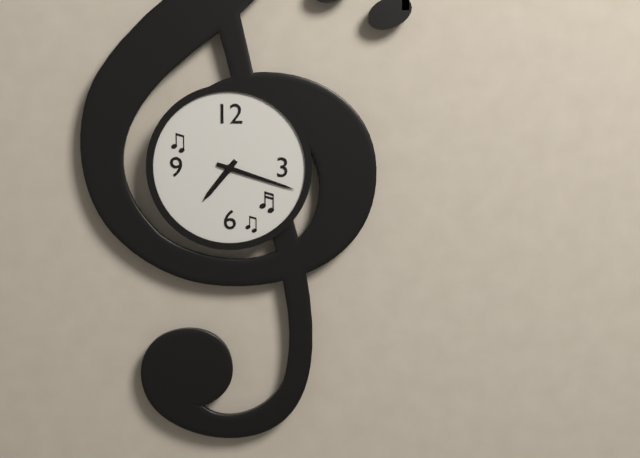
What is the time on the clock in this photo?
7:18
